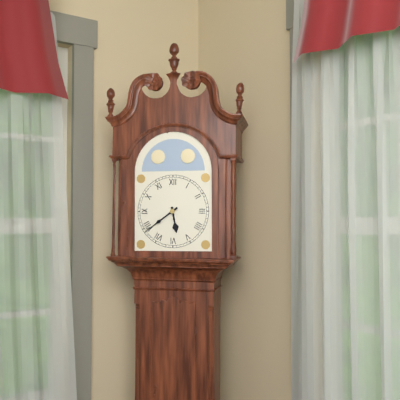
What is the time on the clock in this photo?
5:39
